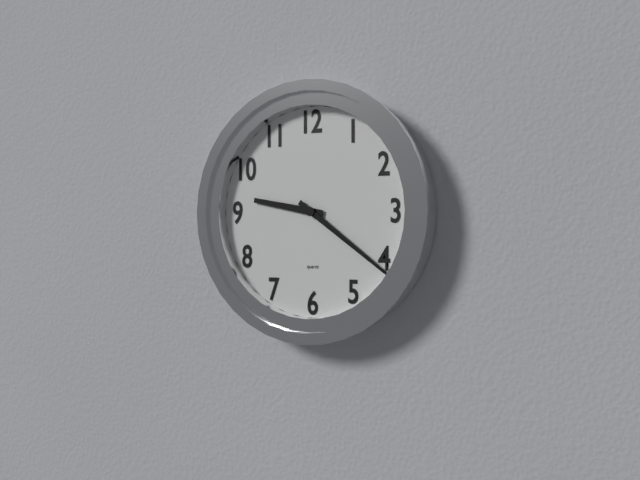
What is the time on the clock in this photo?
9:21
